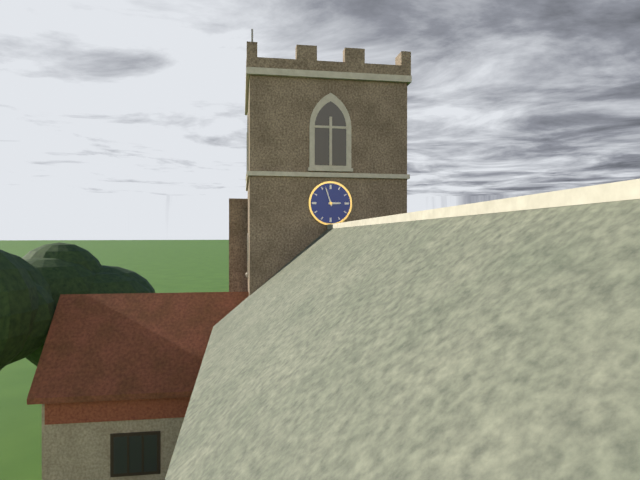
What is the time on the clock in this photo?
2:57
